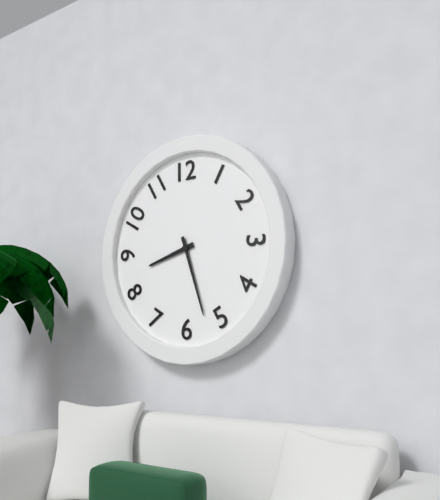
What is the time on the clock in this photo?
8:27
